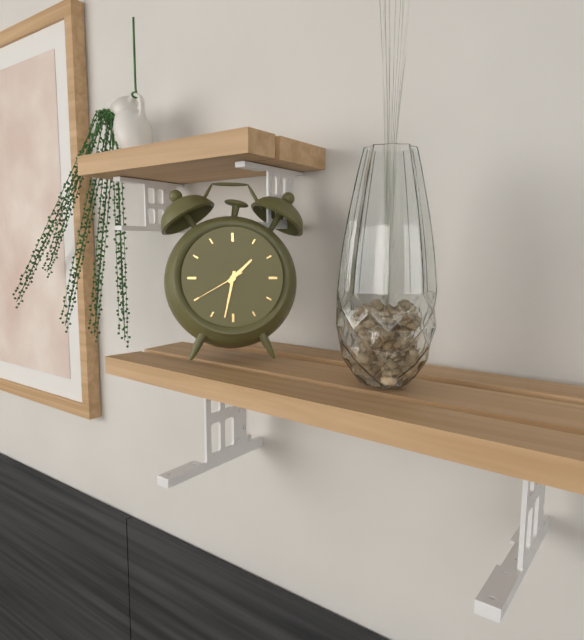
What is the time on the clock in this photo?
1:32:40
